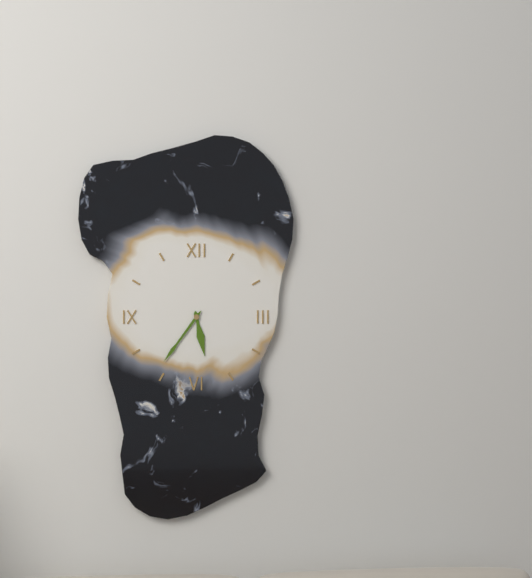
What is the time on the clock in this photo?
5:36
